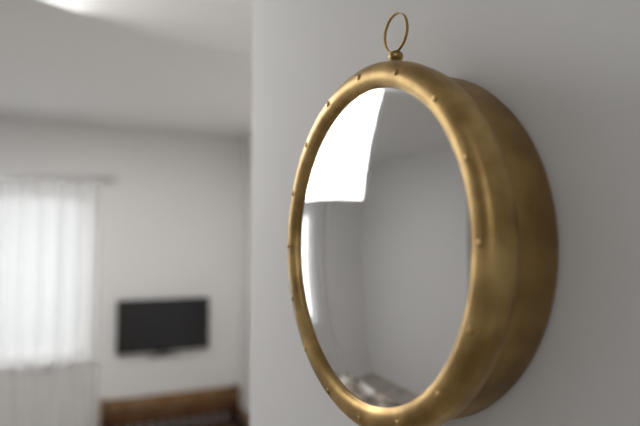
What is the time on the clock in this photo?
8:30
